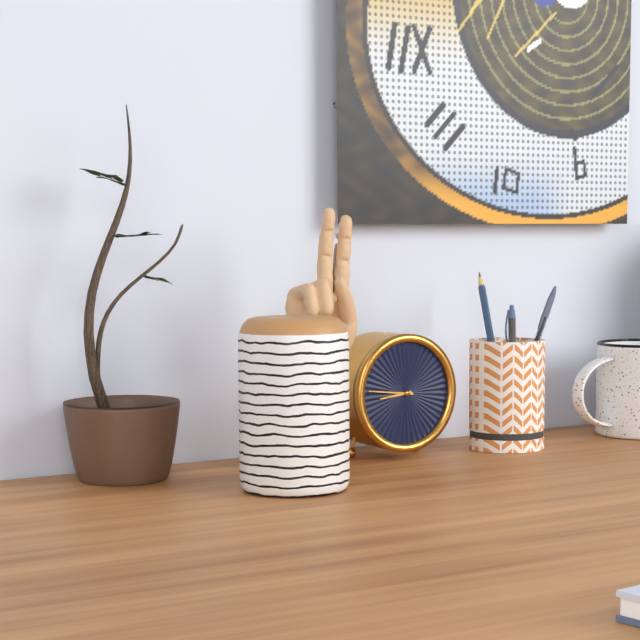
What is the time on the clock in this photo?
8:46
